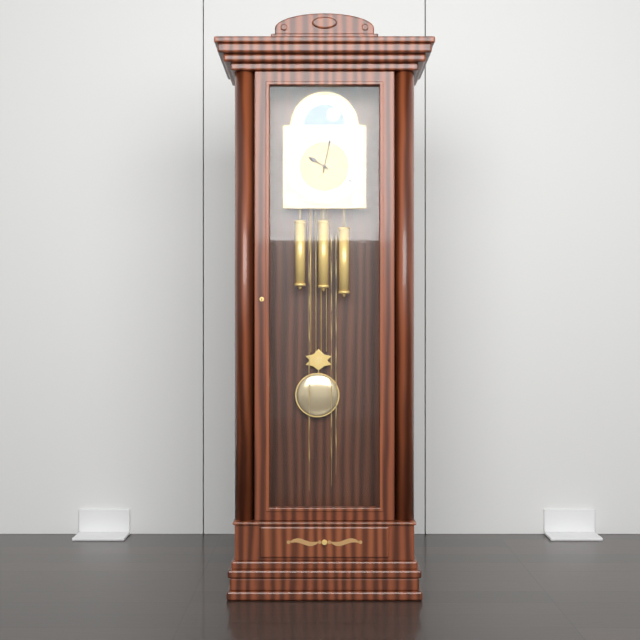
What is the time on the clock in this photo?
10:02
